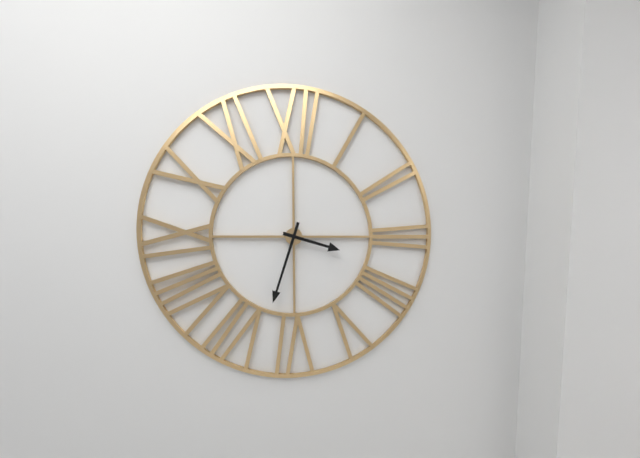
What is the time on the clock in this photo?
3:33
